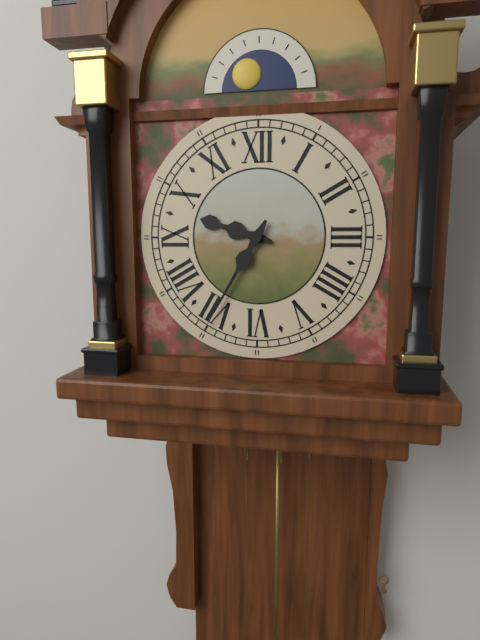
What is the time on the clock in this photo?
9:35
